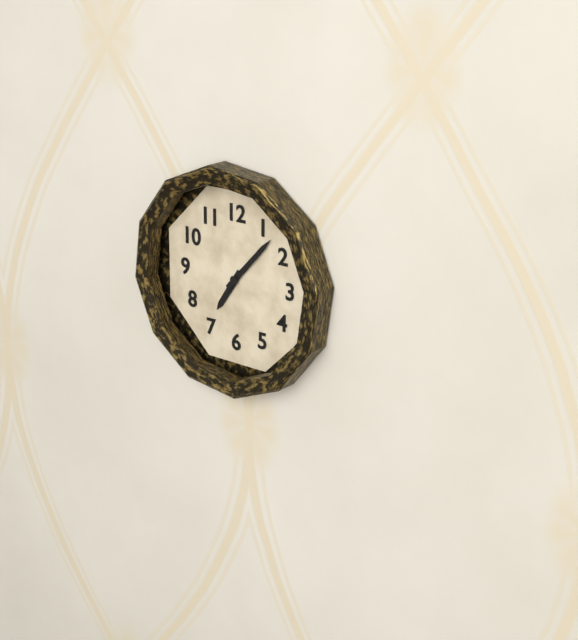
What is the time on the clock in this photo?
7:07
